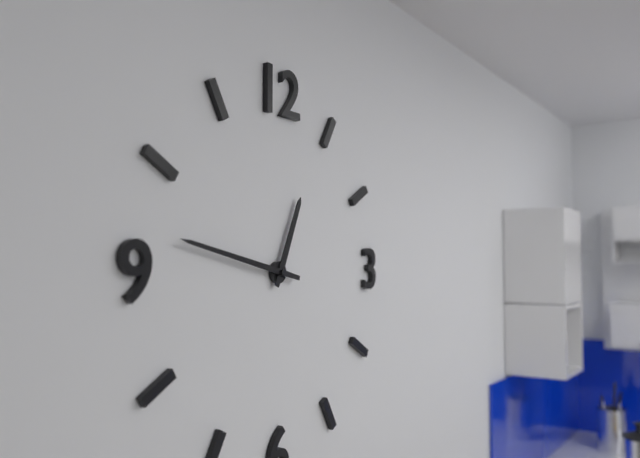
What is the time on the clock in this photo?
12:47
